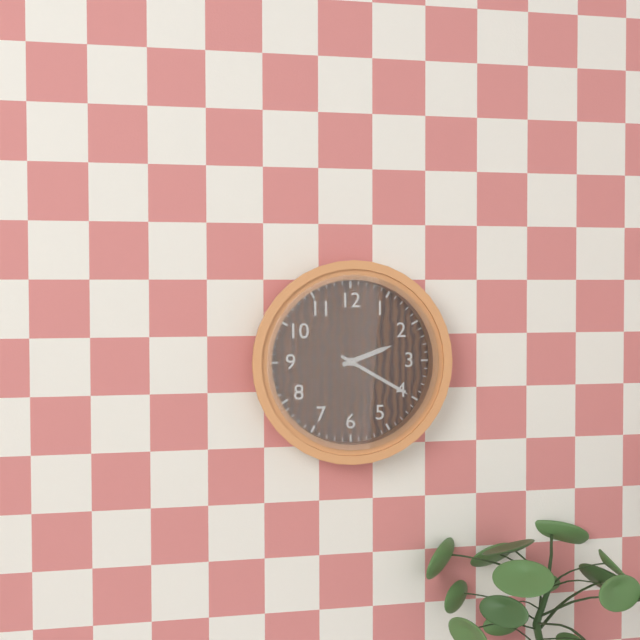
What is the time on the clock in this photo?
2:20
